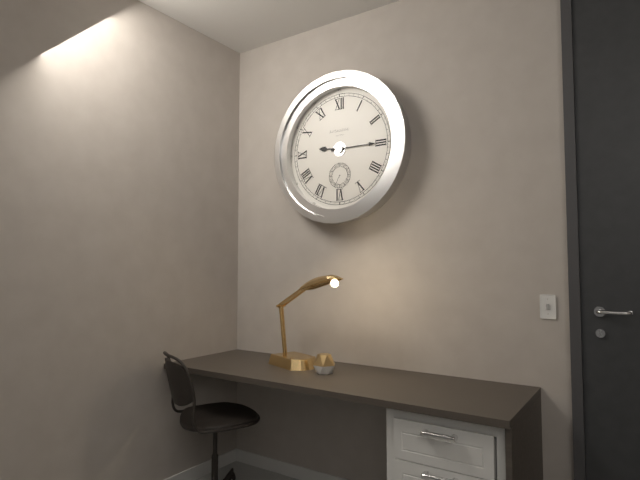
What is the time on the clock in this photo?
9:15
